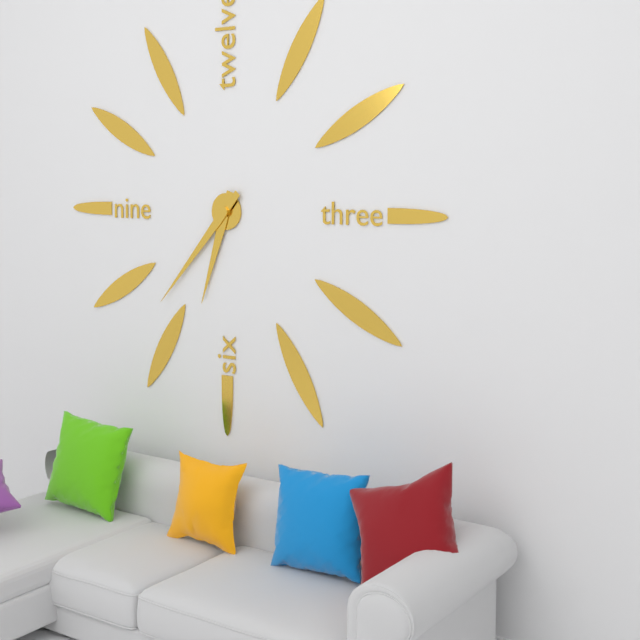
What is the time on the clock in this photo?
6:37
